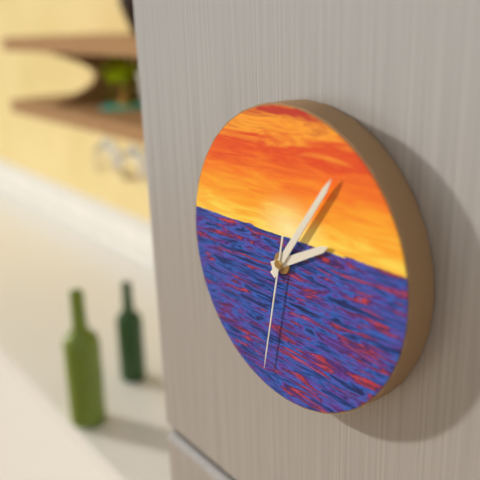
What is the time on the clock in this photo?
2:06:32
